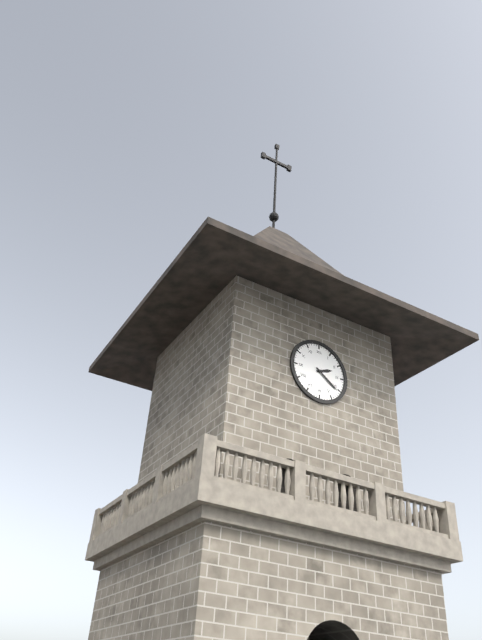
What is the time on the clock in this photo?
2:21
